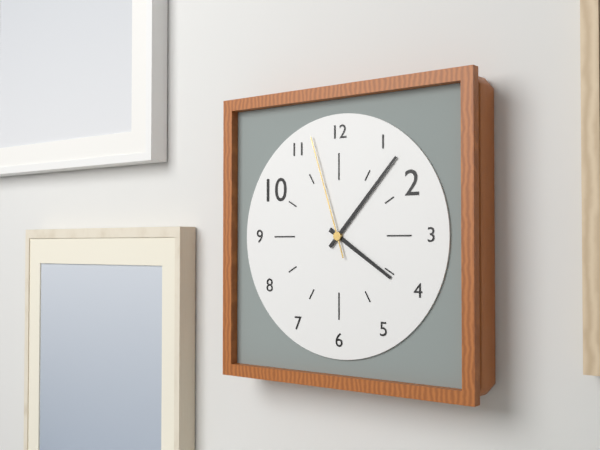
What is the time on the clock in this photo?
4:07:57
